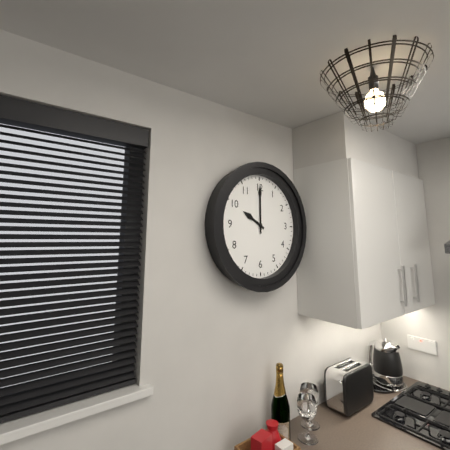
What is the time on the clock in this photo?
10:00
